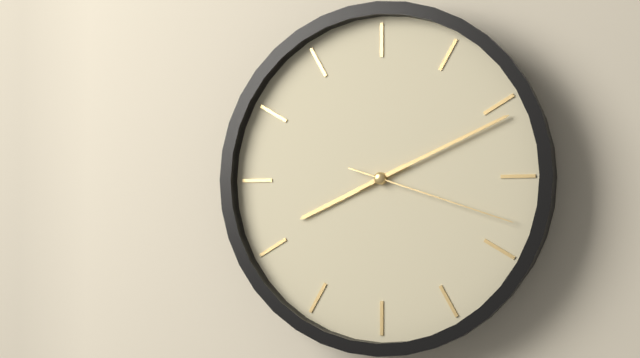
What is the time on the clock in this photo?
8:11:18
